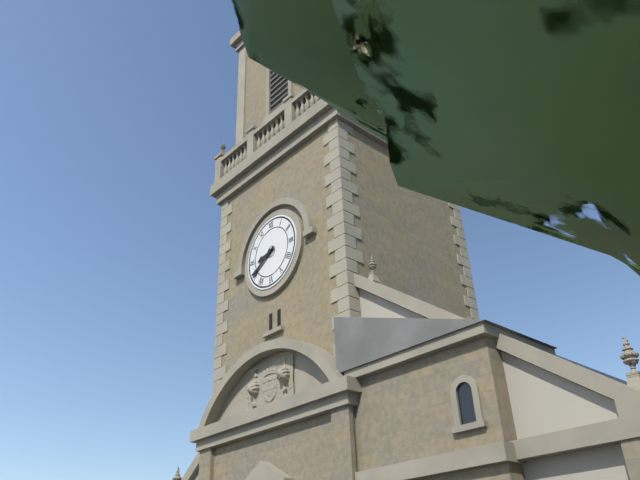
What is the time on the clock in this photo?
8:40
